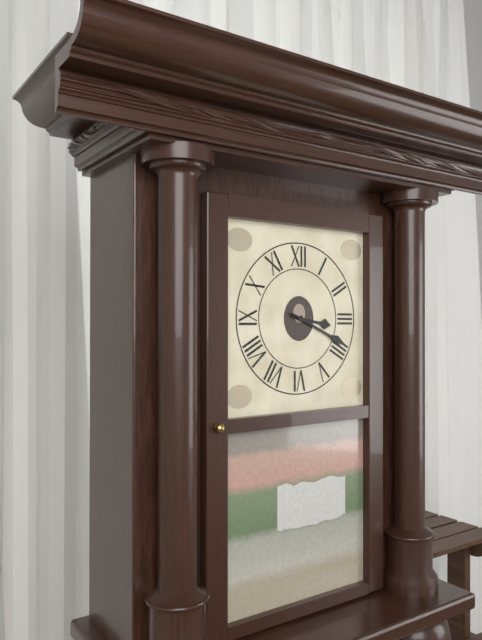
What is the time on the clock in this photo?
3:19
